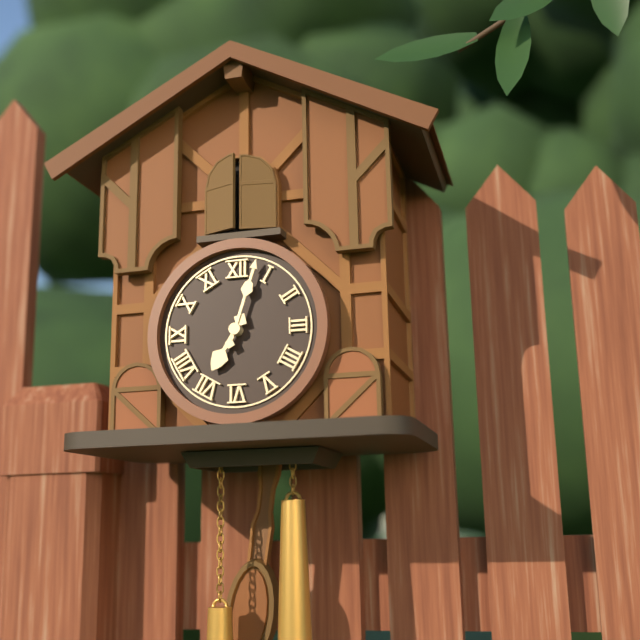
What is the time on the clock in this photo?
7:03
